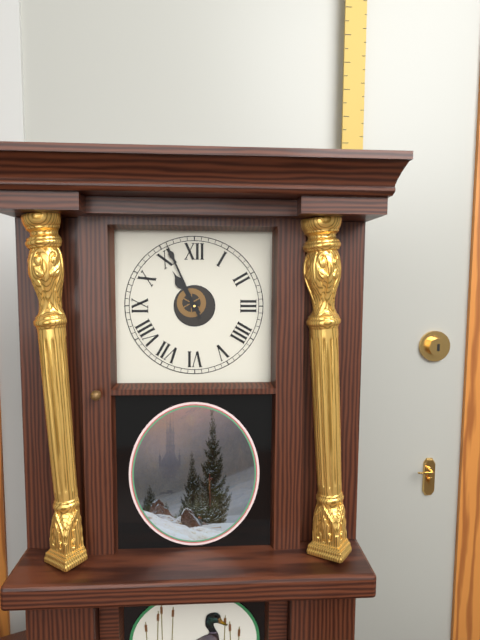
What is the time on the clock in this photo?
10:56
